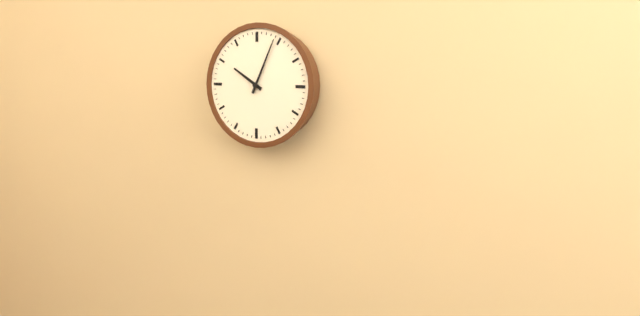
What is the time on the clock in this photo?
10:04
